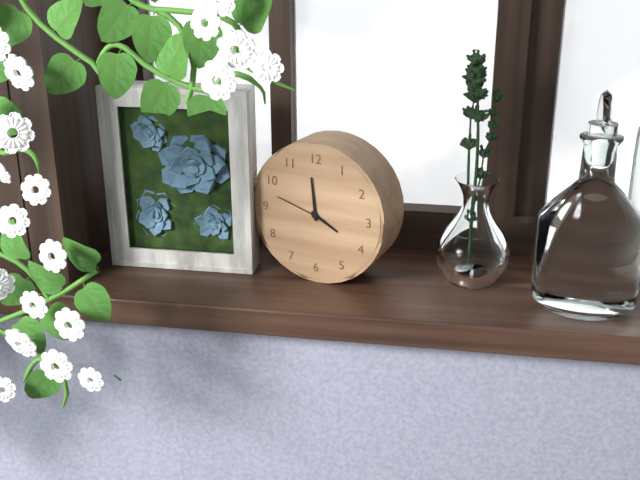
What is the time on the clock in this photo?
3:59:48
